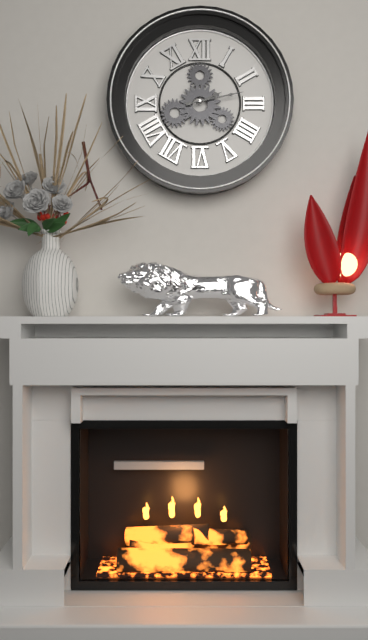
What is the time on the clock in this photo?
2:13
